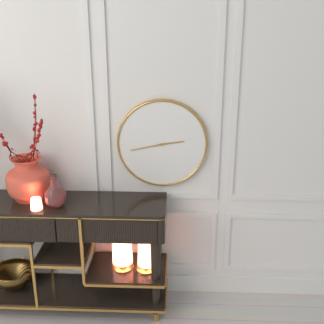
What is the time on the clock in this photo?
2:43
